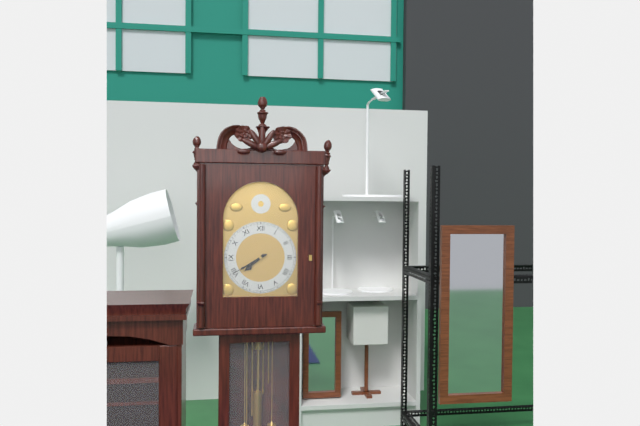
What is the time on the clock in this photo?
7:40
